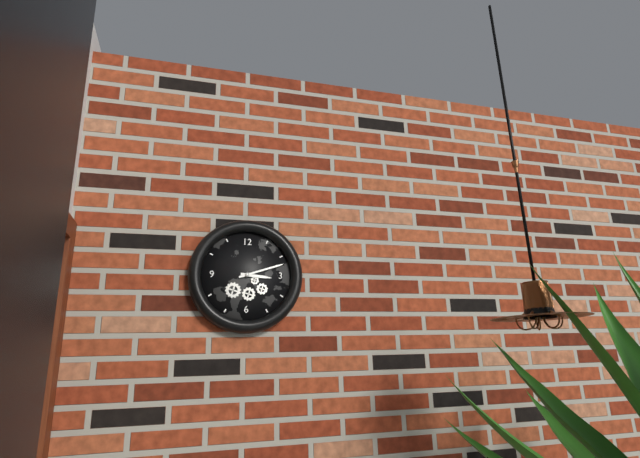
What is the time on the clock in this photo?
3:12
